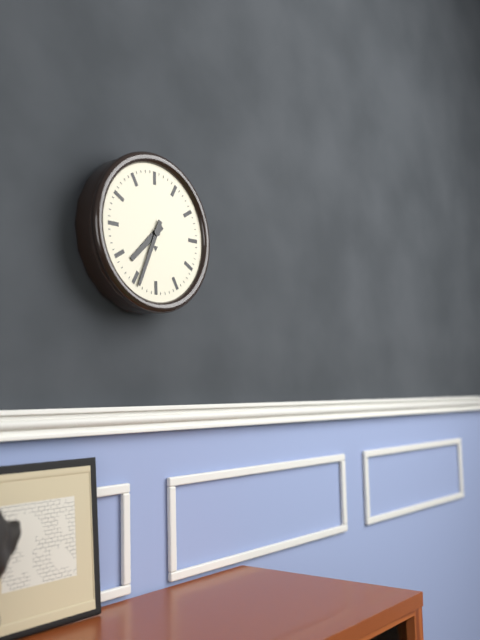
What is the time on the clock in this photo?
7:34
